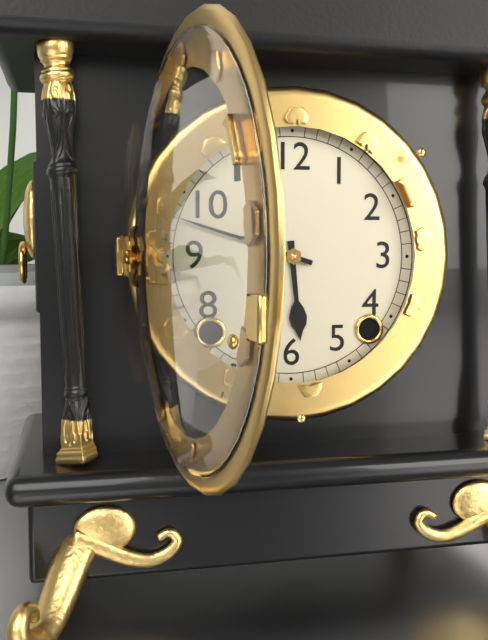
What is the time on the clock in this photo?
5:48
